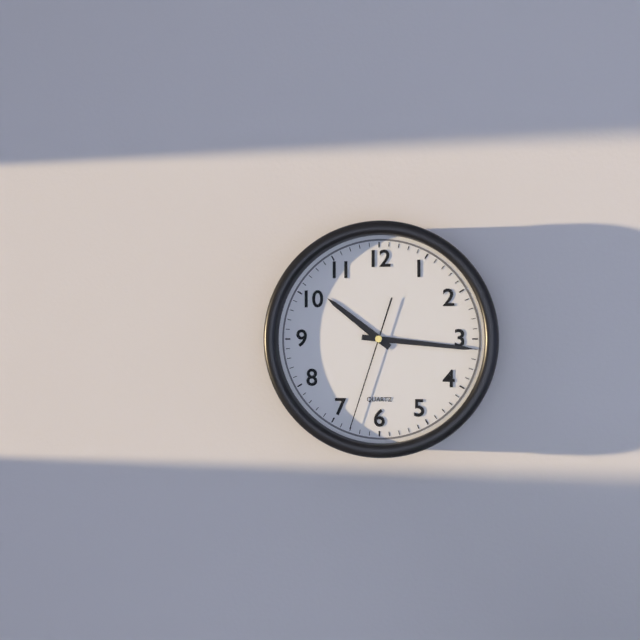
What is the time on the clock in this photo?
10:16:33
